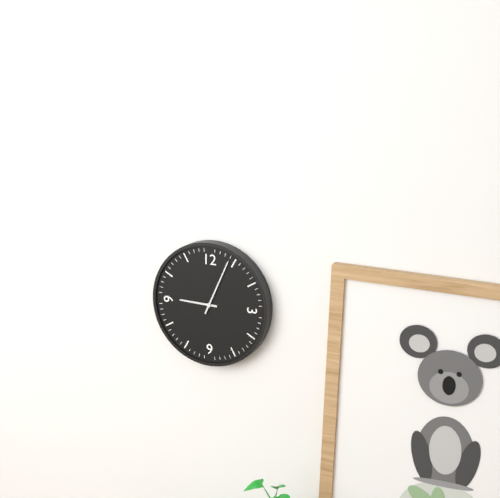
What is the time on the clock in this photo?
9:04
